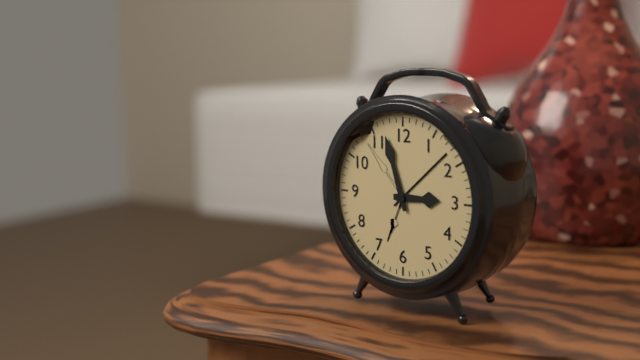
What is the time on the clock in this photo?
2:57
